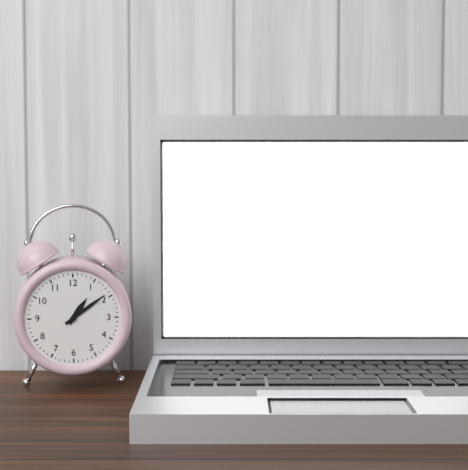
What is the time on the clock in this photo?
1:09
